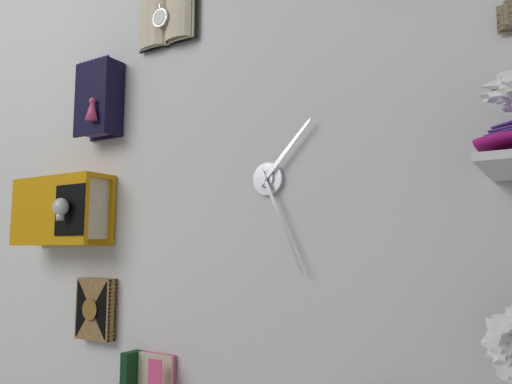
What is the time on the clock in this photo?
1:26
